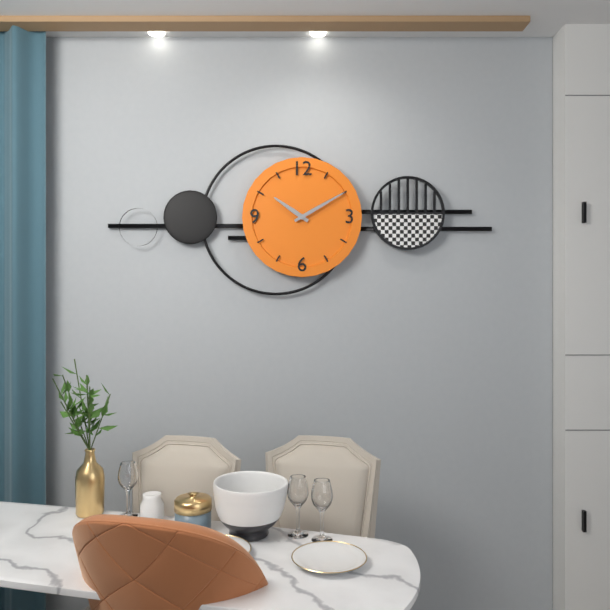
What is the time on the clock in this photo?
10:10
